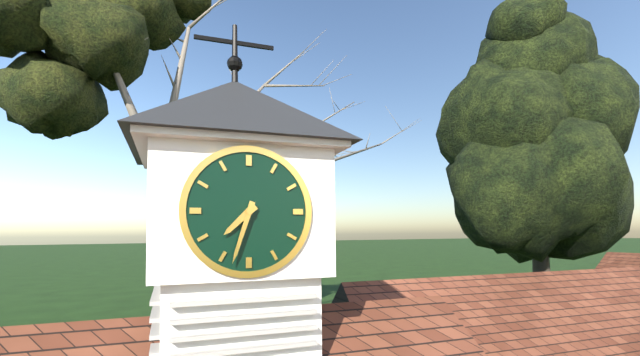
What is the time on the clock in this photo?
7:33
